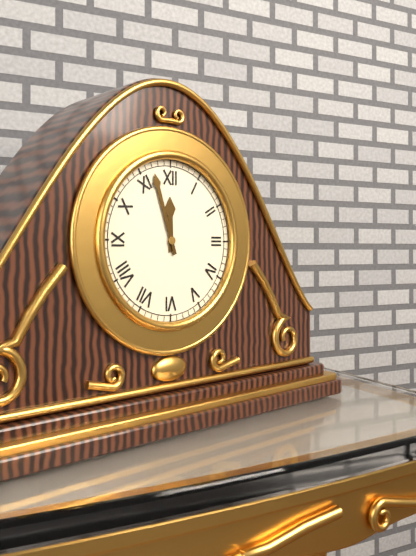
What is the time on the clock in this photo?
11:57
